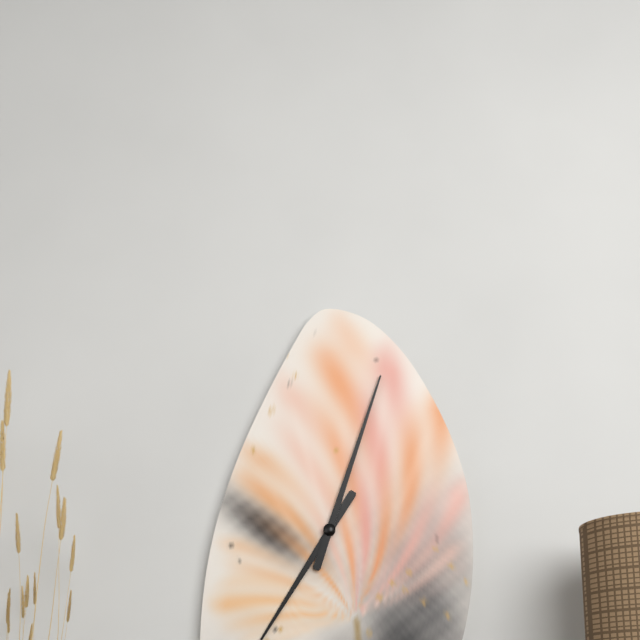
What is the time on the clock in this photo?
7:03
